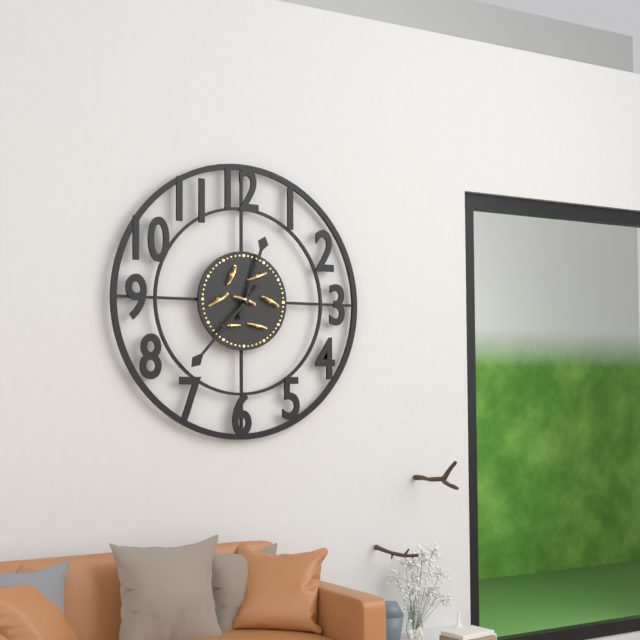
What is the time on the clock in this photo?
12:37
